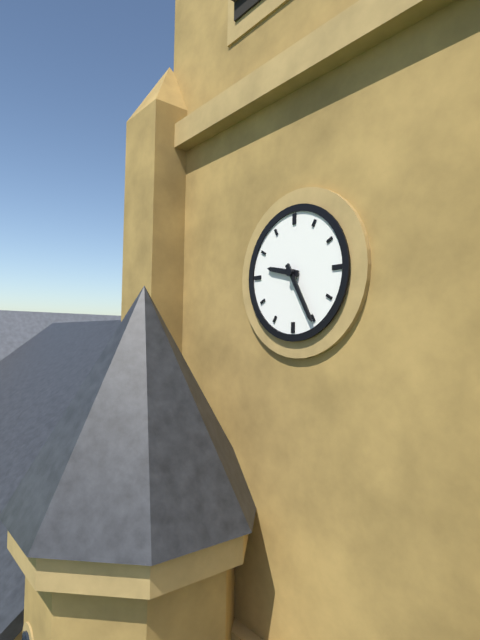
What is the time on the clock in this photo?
9:25
